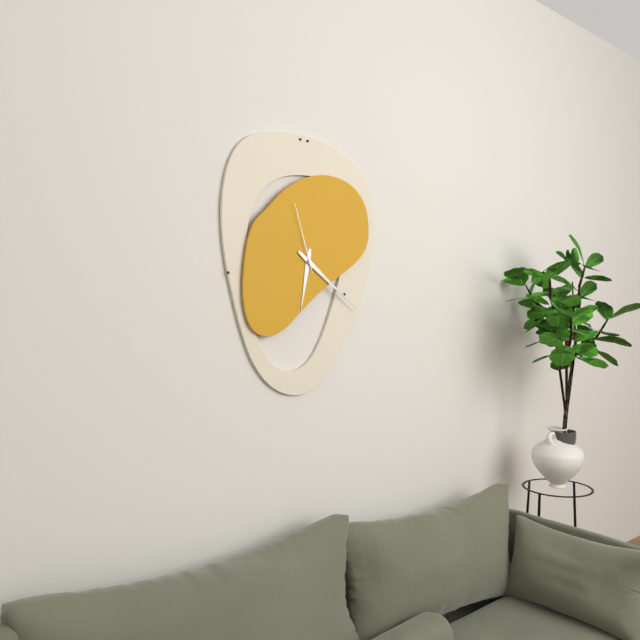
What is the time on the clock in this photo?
6:21:57
